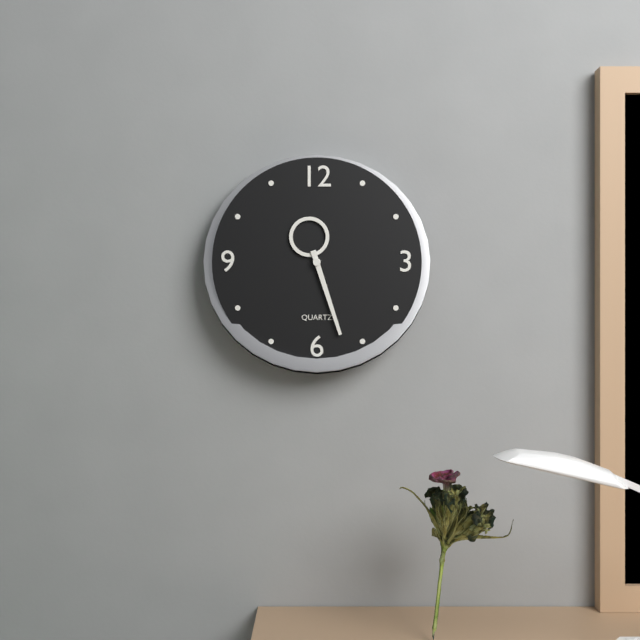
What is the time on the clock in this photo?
11:27
